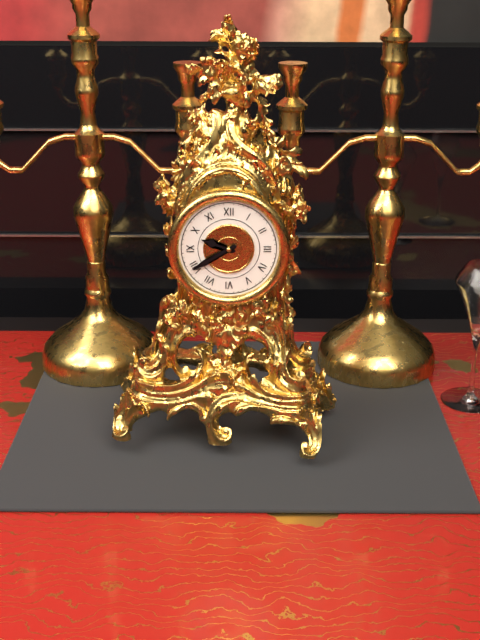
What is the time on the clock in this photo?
9:40
